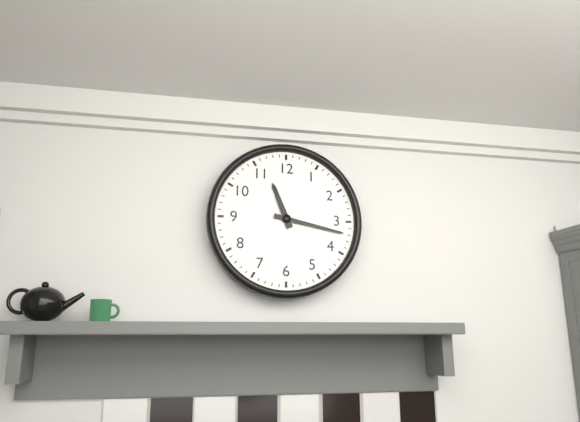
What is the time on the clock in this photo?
11:17
